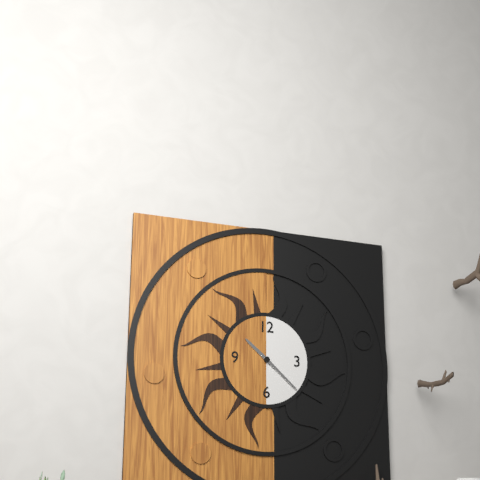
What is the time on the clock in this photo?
10:22
